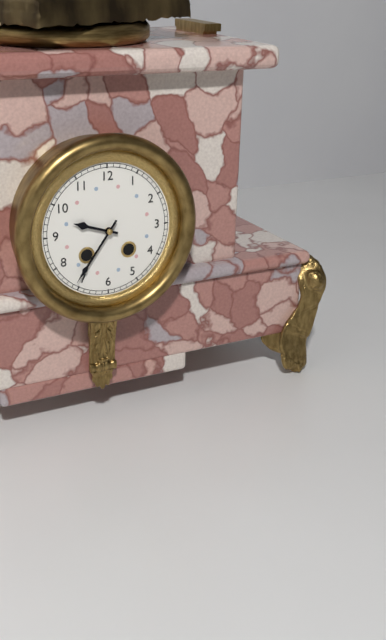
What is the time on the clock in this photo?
9:36
